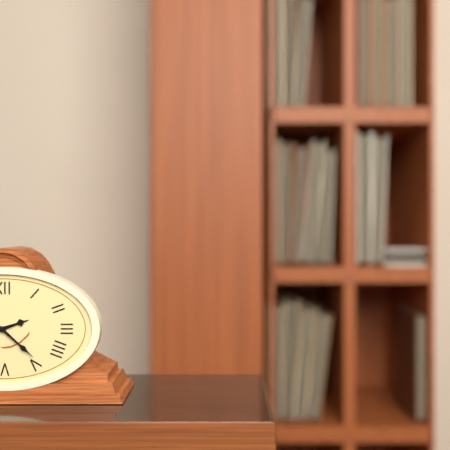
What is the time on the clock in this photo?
2:22
